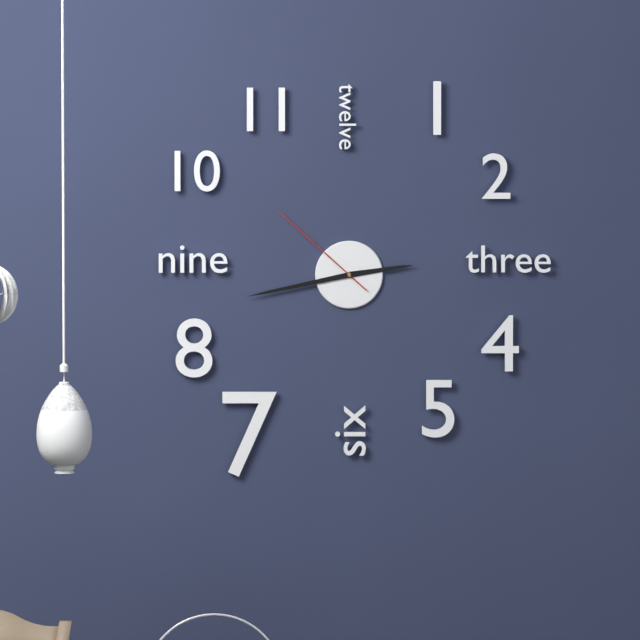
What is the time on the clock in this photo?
2:43:52
